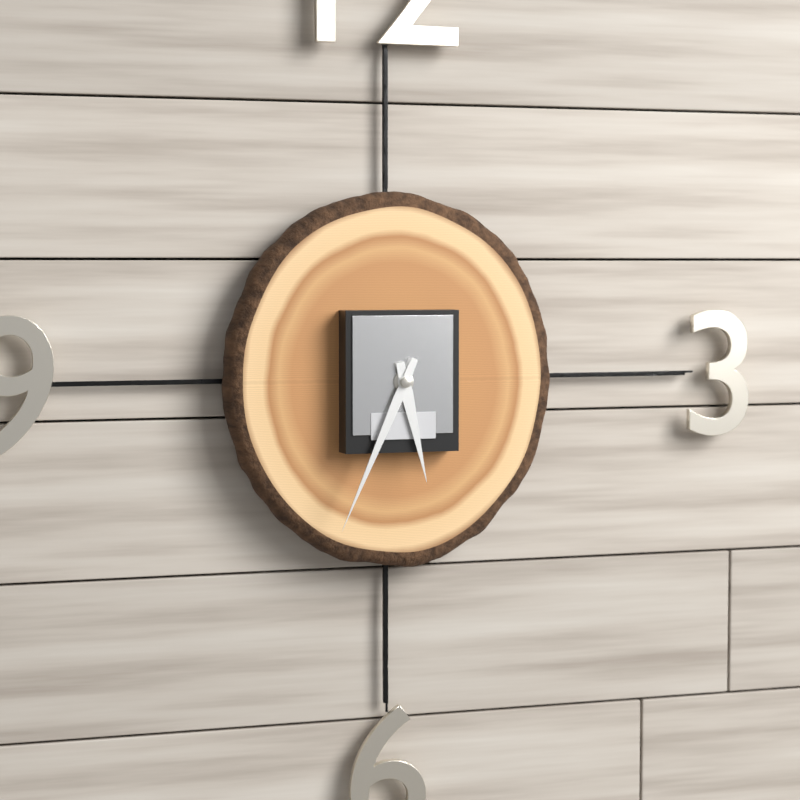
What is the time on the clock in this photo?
5:34
